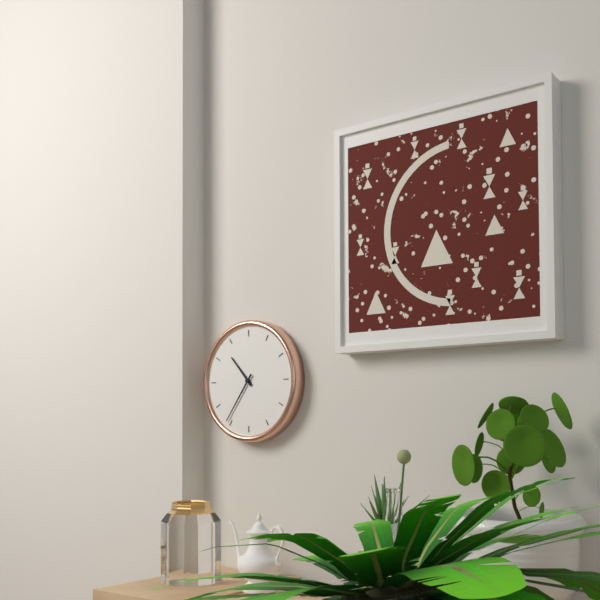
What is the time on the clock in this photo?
10:36
